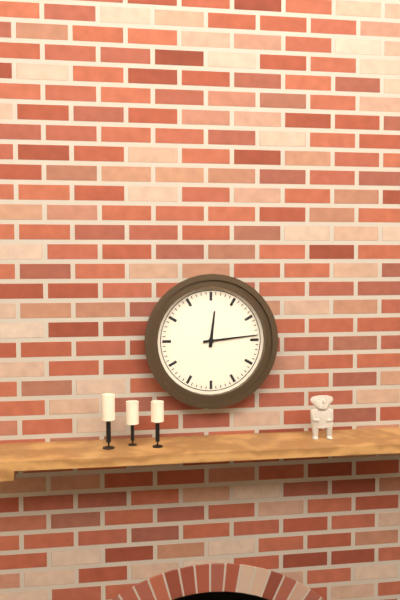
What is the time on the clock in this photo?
12:14
